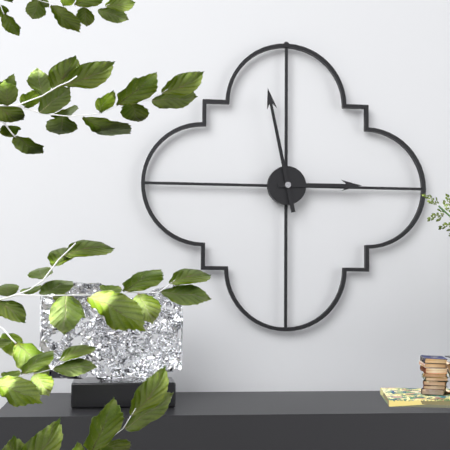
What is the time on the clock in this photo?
2:58
